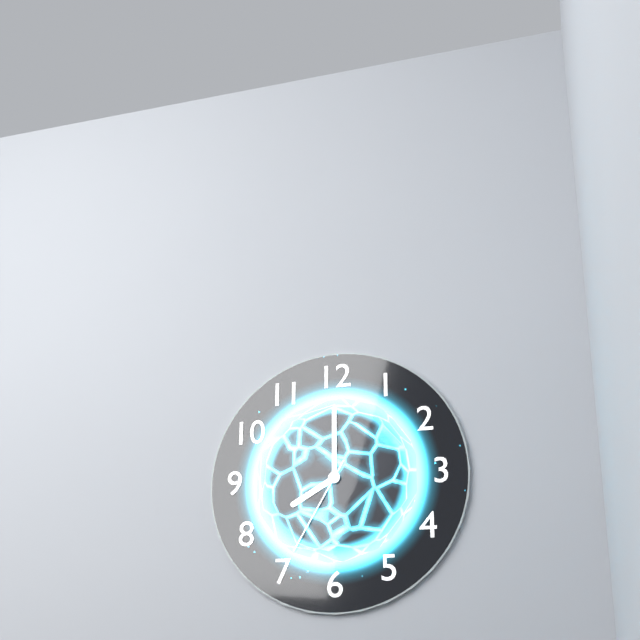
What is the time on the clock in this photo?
8:00:35
